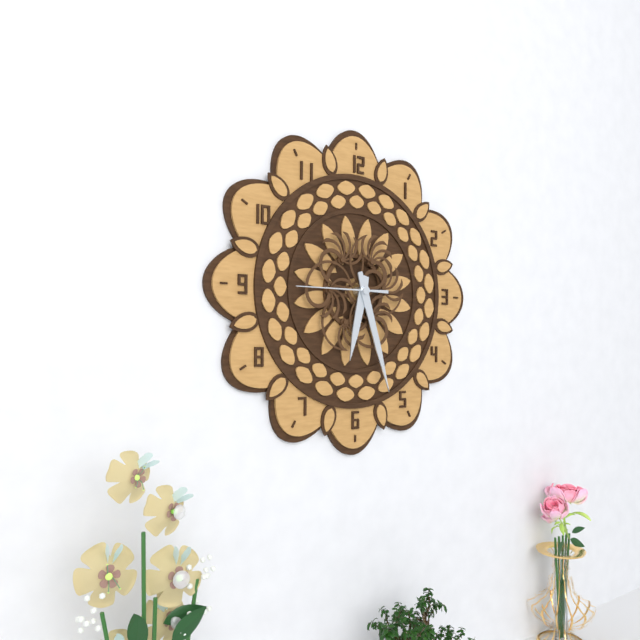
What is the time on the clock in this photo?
6:27:45
